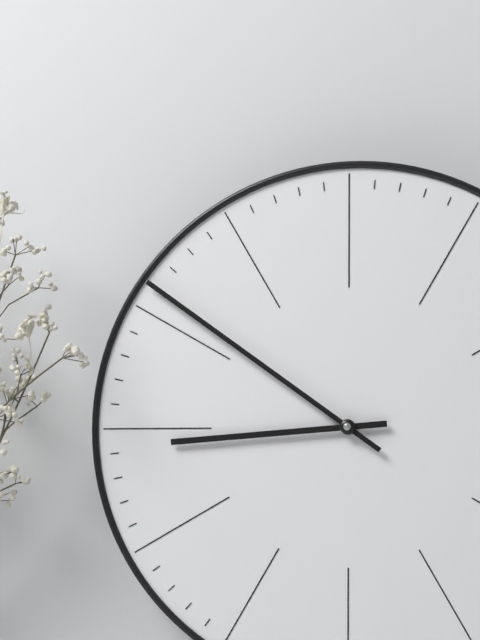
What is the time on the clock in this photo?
8:51
